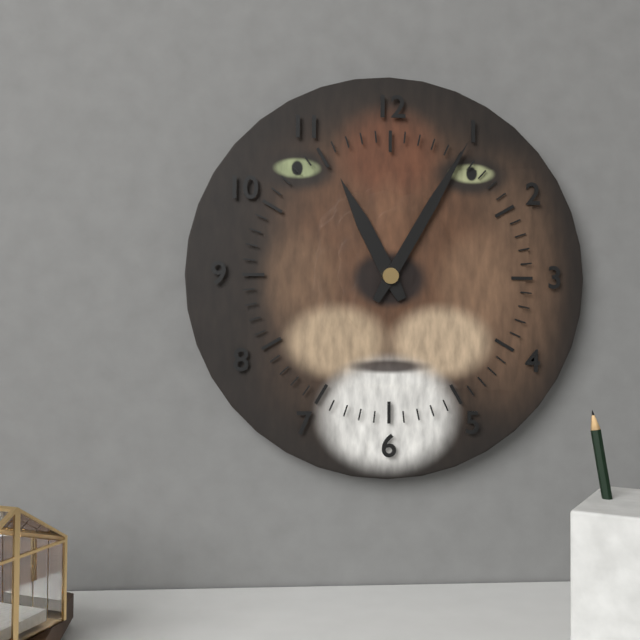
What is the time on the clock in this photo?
11:05
